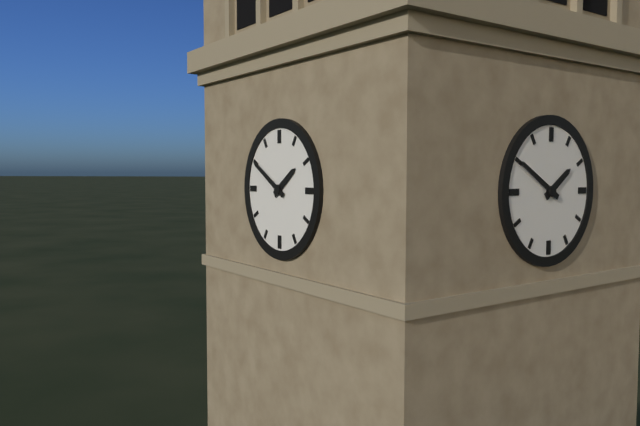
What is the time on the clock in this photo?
1:50
